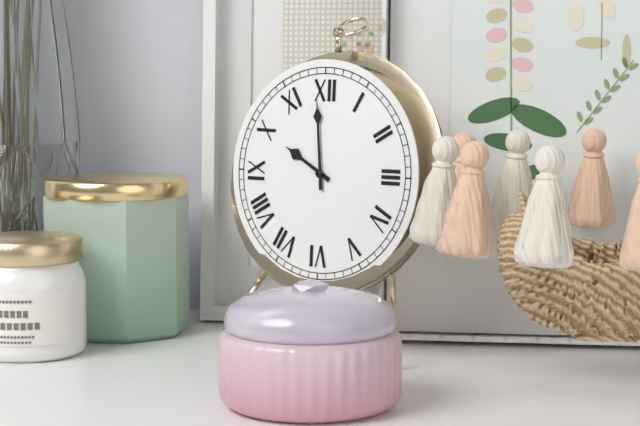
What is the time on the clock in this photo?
9:59
